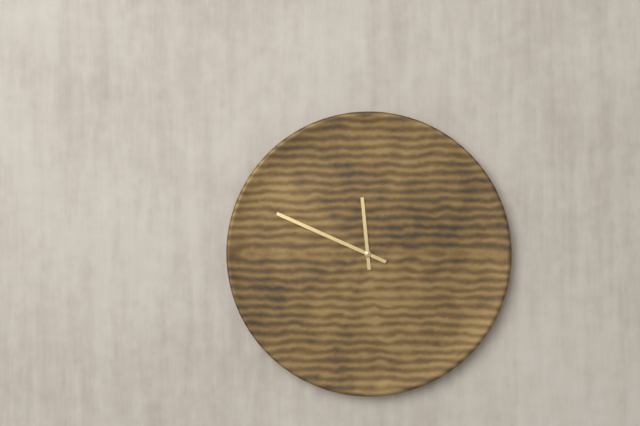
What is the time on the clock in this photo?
11:49
